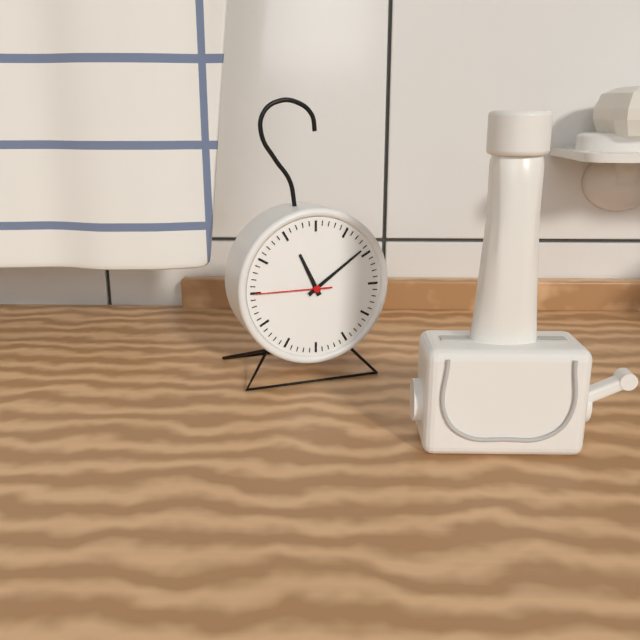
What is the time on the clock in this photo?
11:09:45
